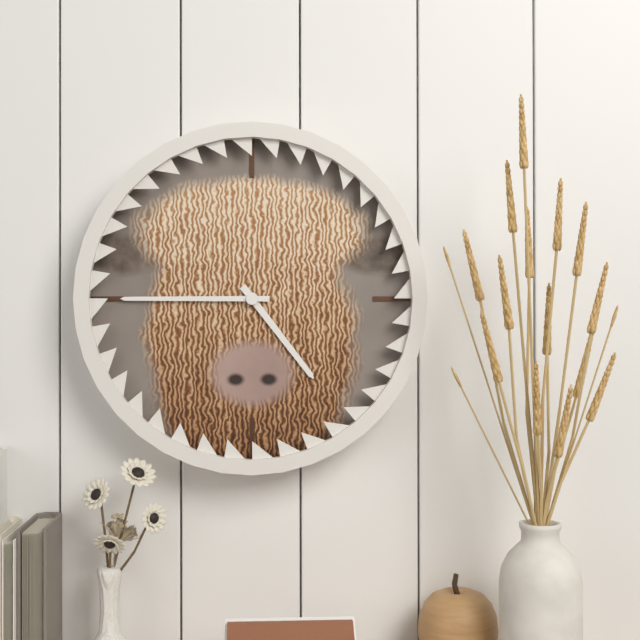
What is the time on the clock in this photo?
4:45
